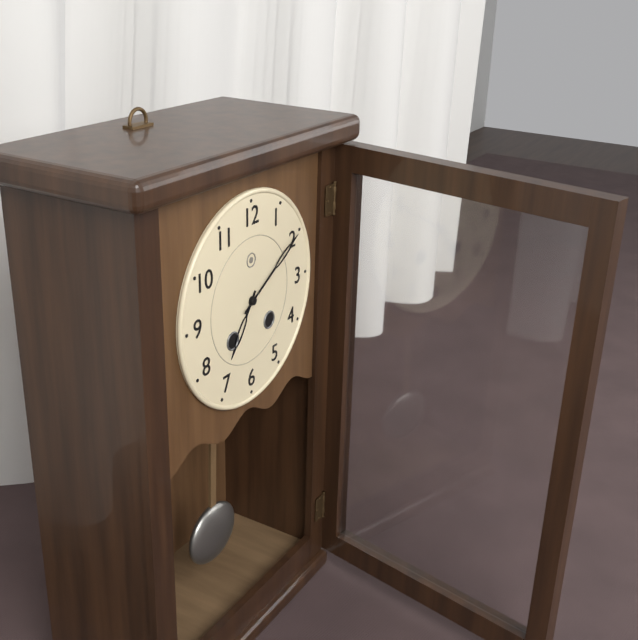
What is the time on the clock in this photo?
7:10
